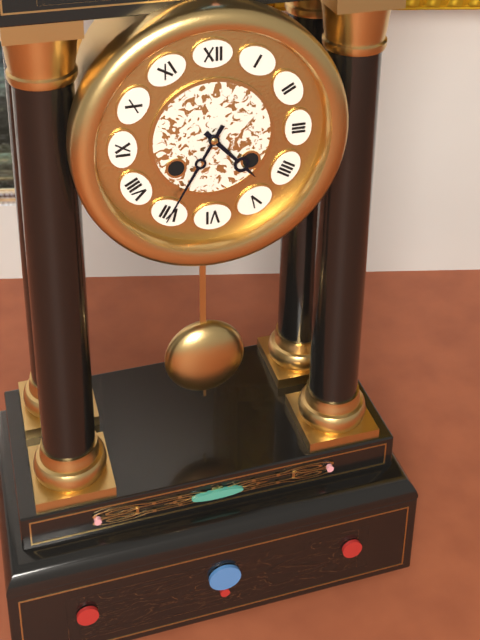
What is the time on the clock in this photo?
4:35
